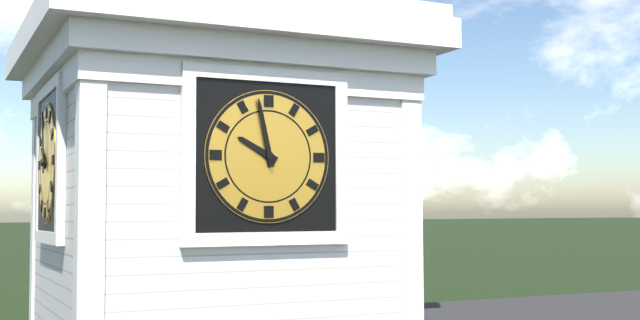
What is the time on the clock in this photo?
9:58
